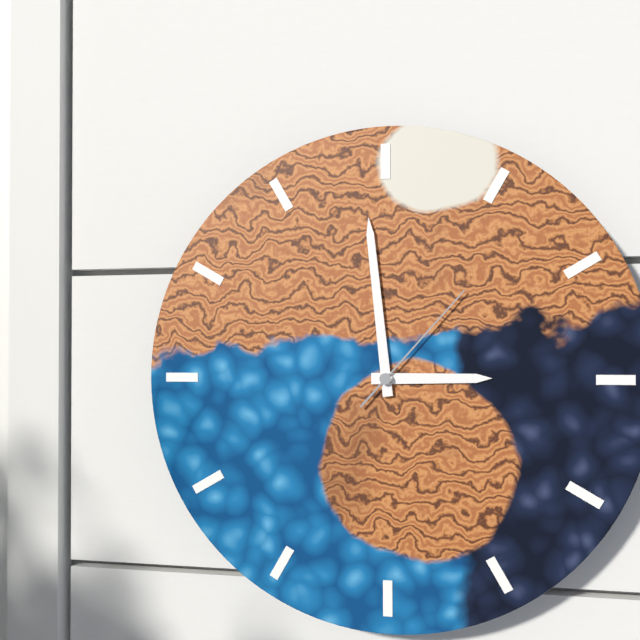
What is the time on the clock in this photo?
2:59:07
